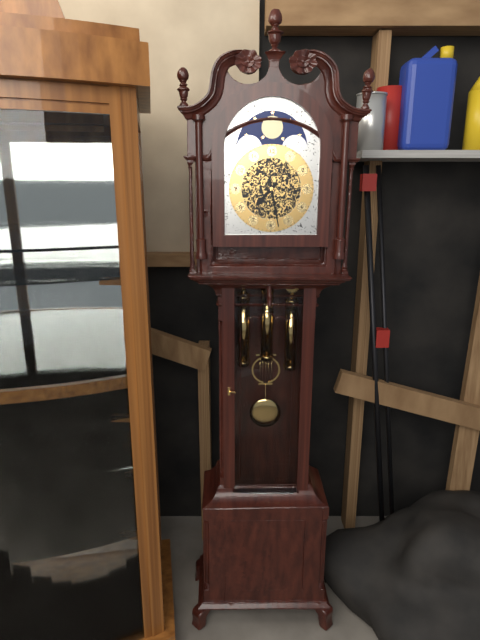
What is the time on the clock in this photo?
7:28
